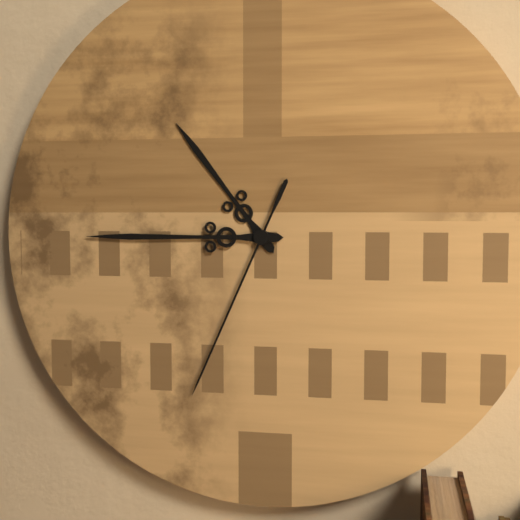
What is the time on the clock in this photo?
10:45:34
